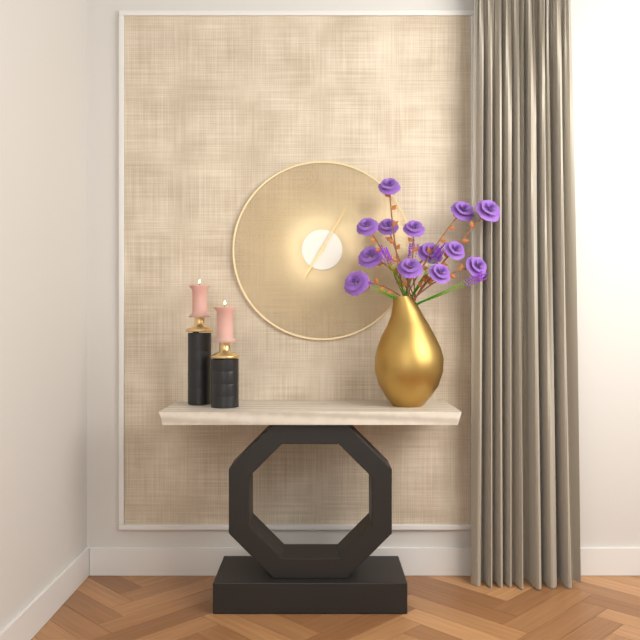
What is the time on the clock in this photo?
7:05
